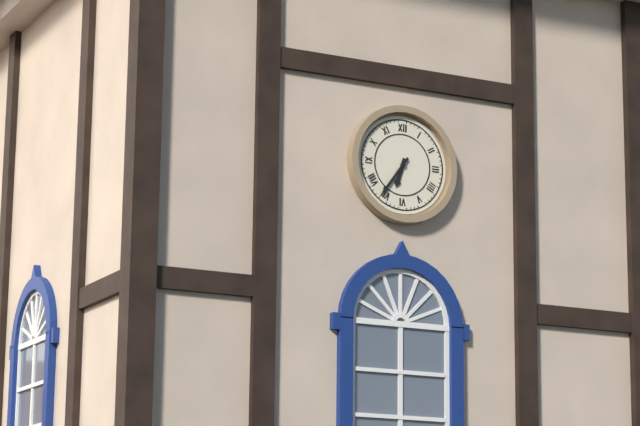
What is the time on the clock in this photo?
6:36
